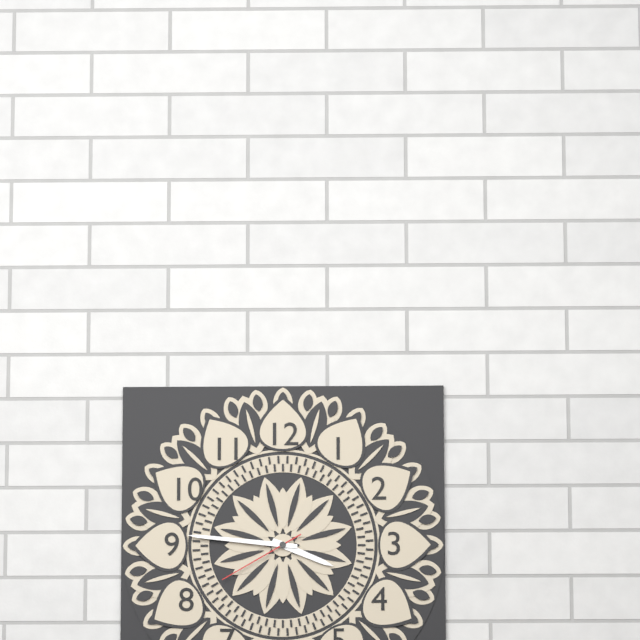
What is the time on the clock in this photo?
3:46:40
